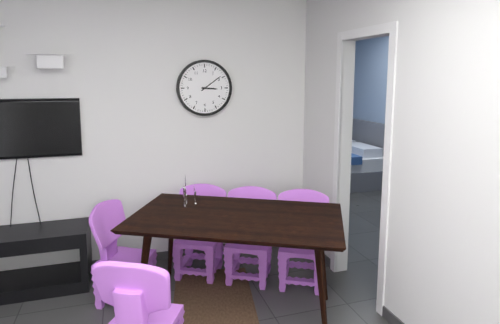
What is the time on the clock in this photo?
3:09
